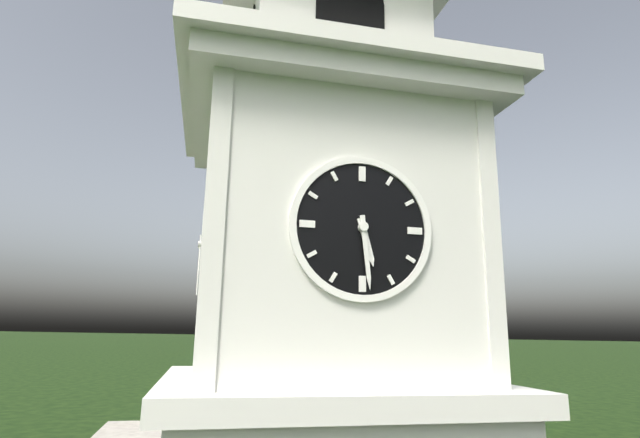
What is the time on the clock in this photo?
5:29
